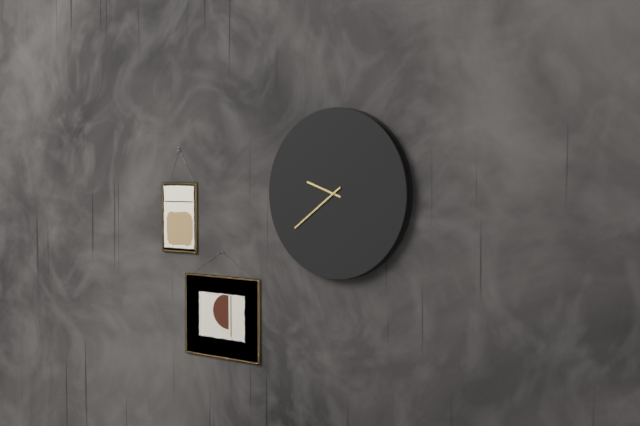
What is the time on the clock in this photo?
9:39
